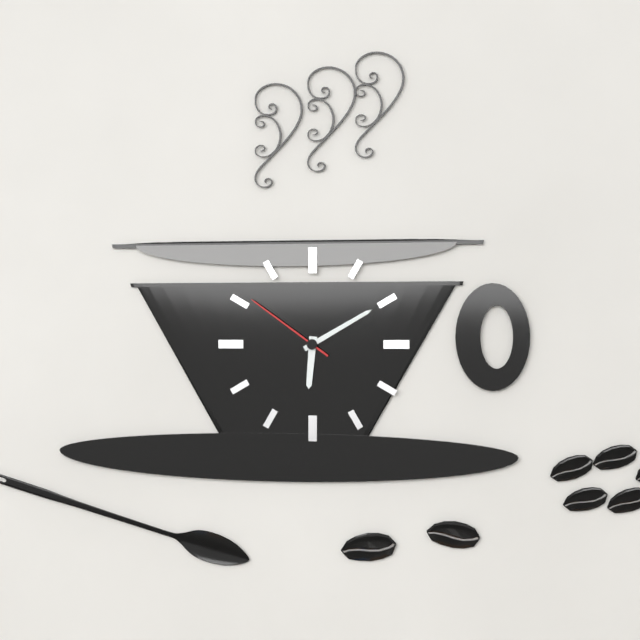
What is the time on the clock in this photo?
6:10:51
